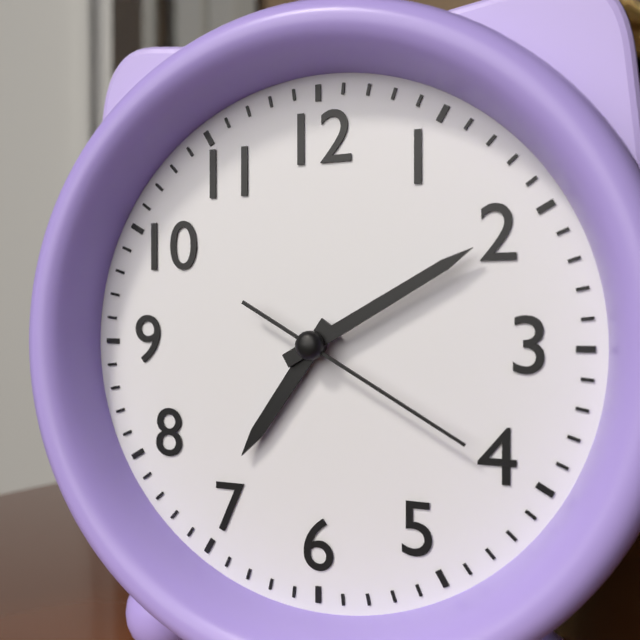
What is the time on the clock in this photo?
7:10:20
